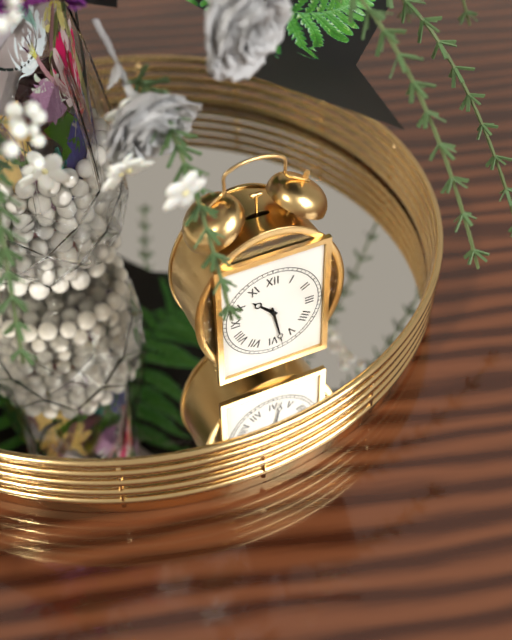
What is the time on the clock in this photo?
10:28
